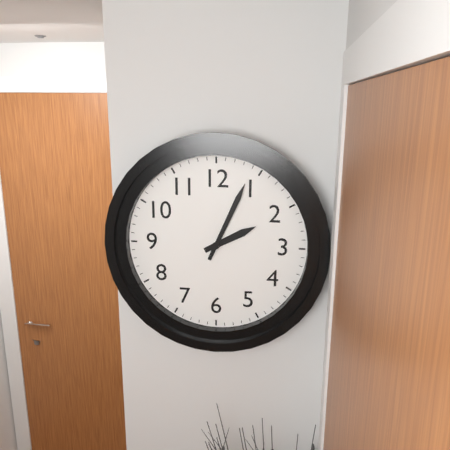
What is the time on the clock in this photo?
2:04
